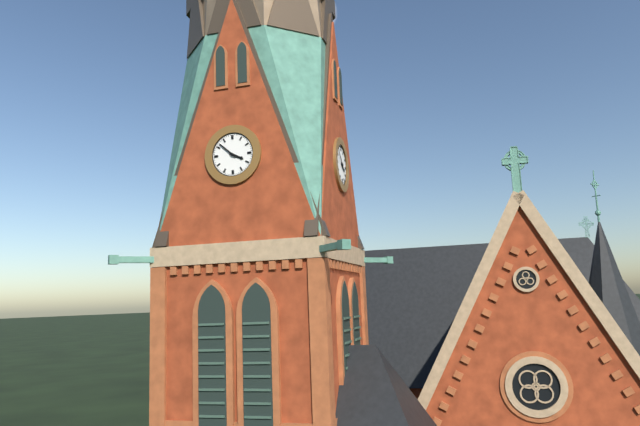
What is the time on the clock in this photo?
3:52
